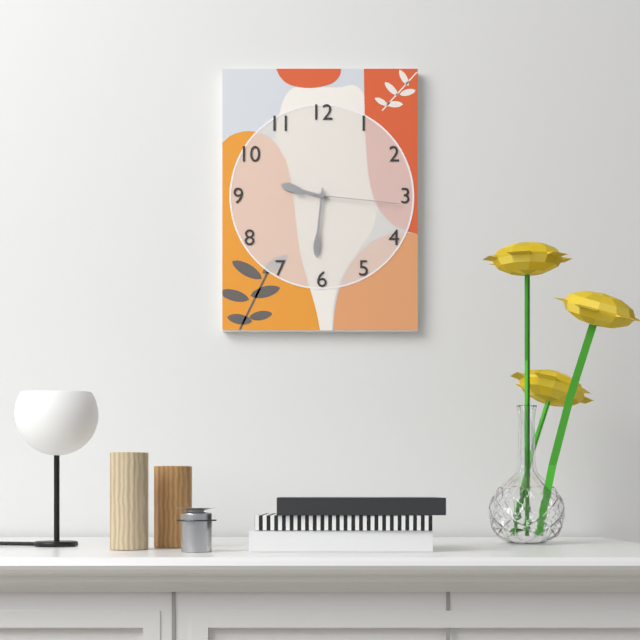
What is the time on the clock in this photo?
9:31:16
